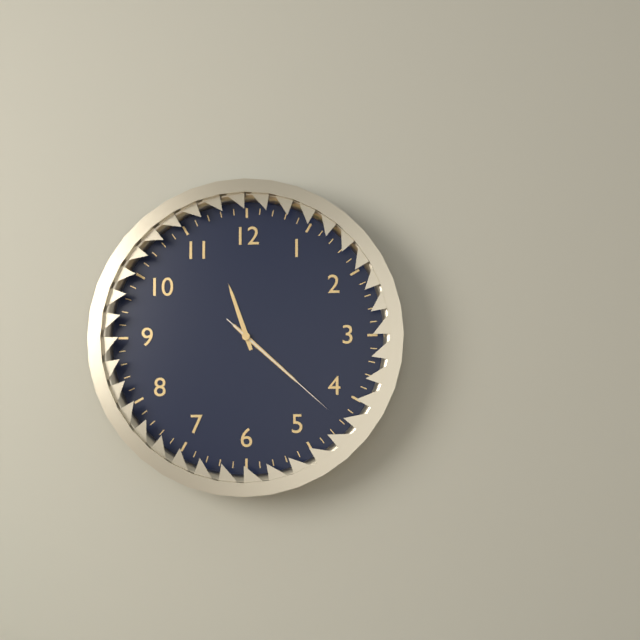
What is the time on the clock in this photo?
11:22:22
